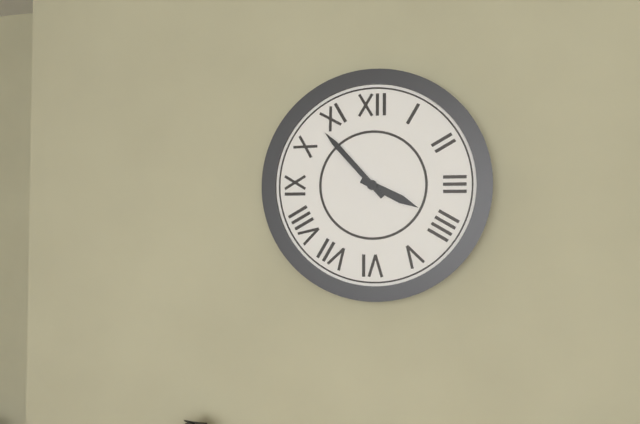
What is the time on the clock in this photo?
3:53
